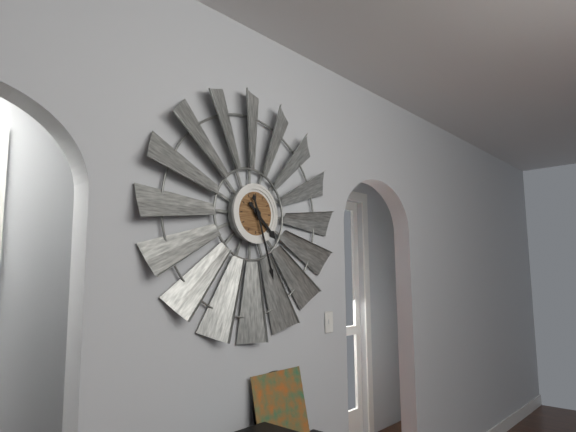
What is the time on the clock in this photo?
4:27
